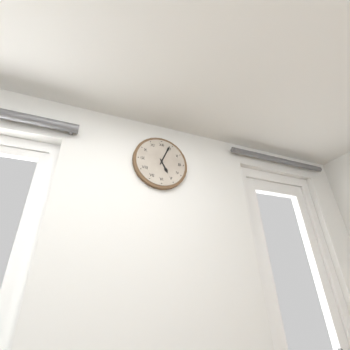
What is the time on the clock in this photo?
5:04
